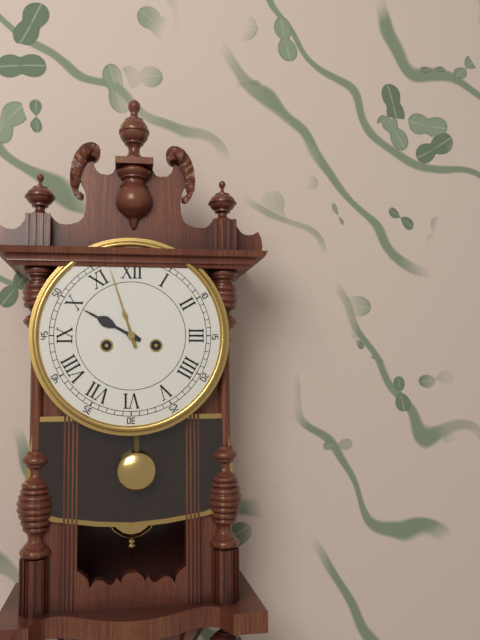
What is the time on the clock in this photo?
9:57
